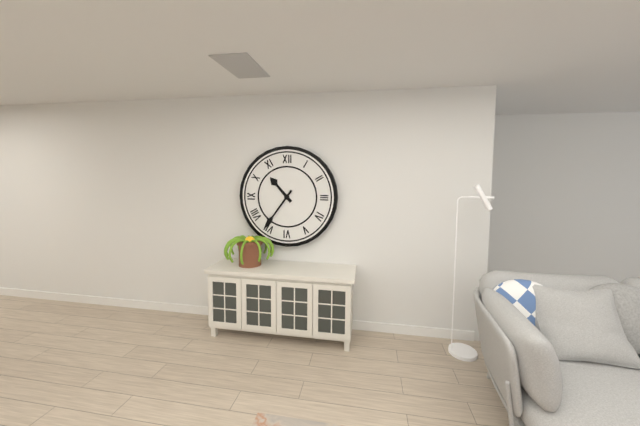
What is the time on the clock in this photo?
10:36
